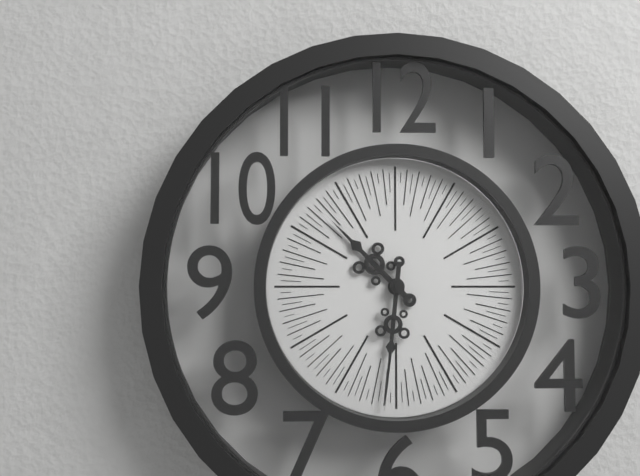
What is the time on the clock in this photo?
10:31
